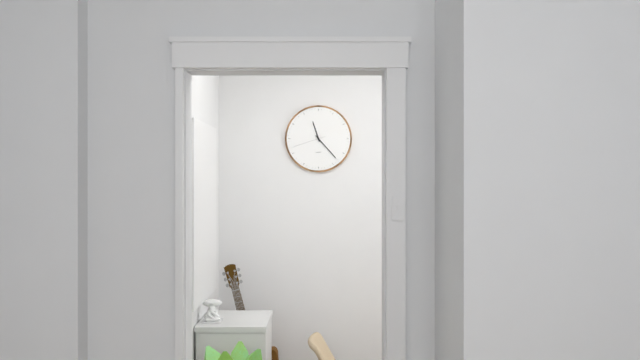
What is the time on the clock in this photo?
11:23
